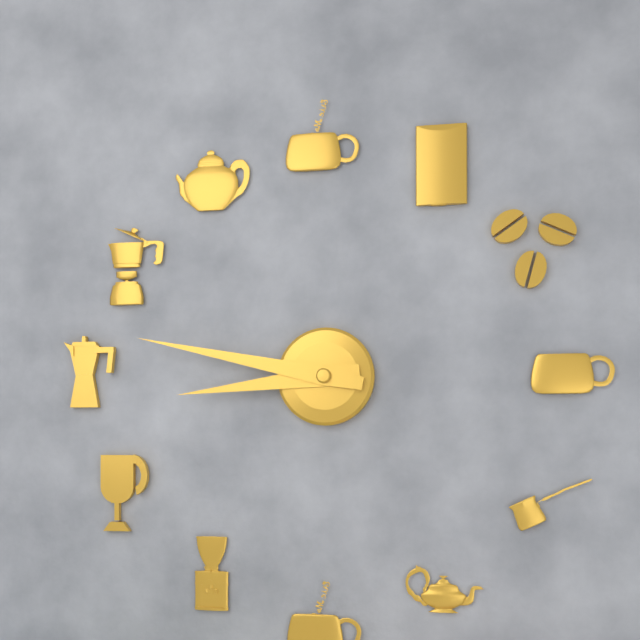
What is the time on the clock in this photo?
8:47
